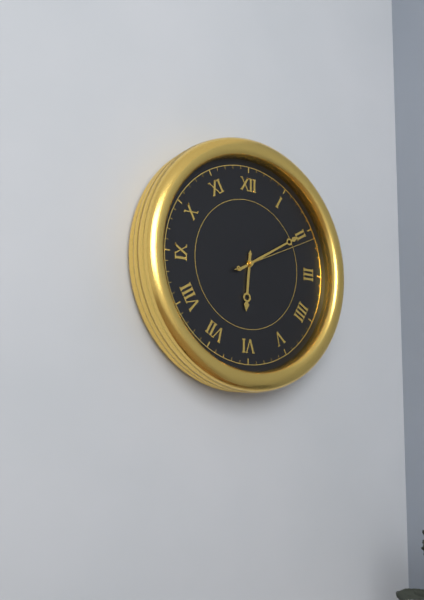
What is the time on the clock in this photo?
6:10:11
